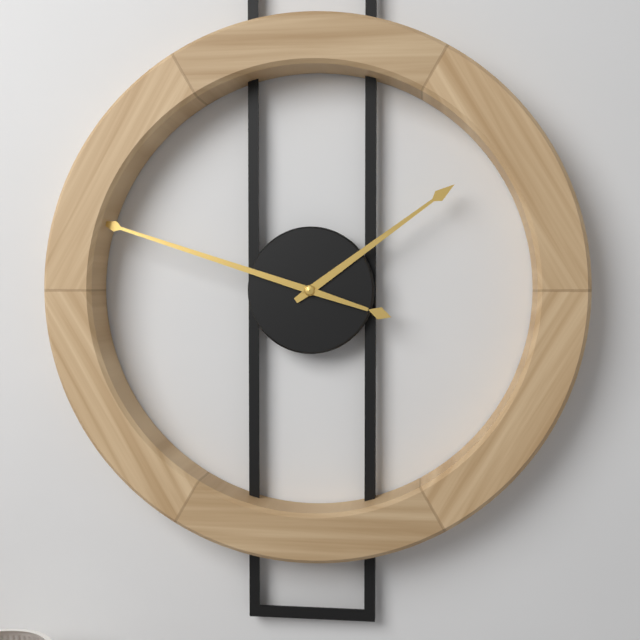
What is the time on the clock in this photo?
1:48
